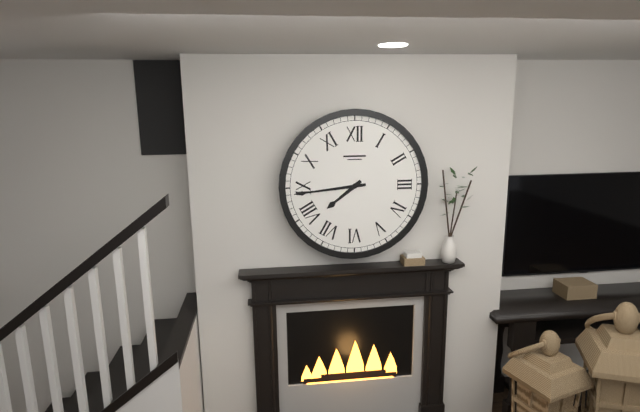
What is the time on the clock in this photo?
7:44
